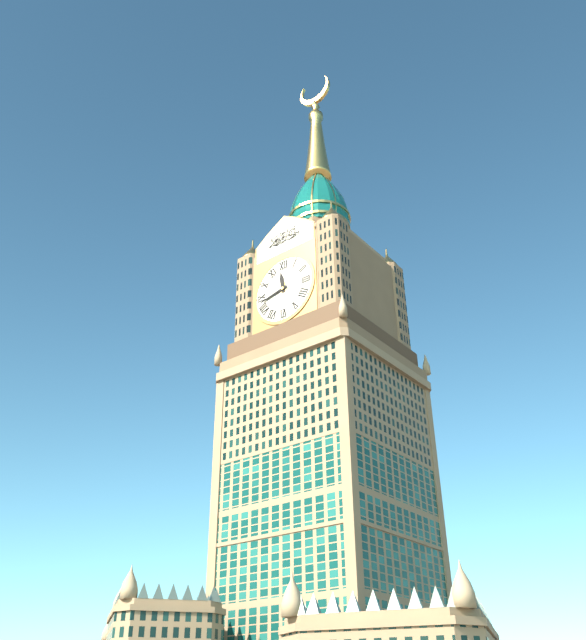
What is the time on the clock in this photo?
11:43
